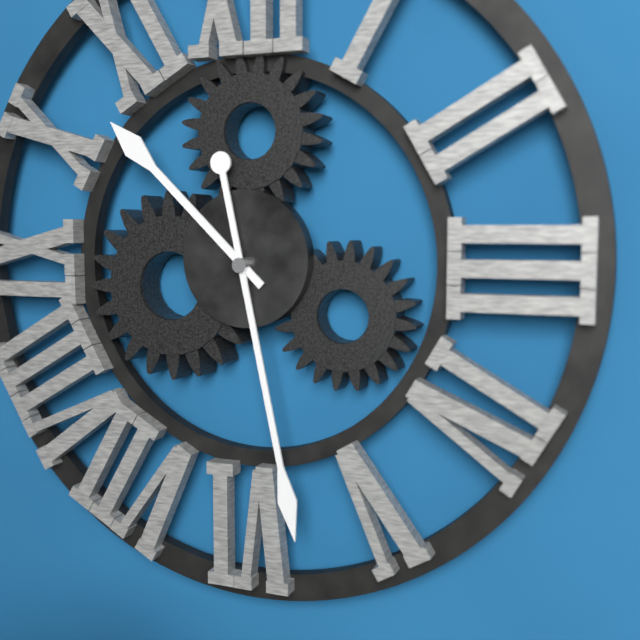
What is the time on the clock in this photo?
10:28
